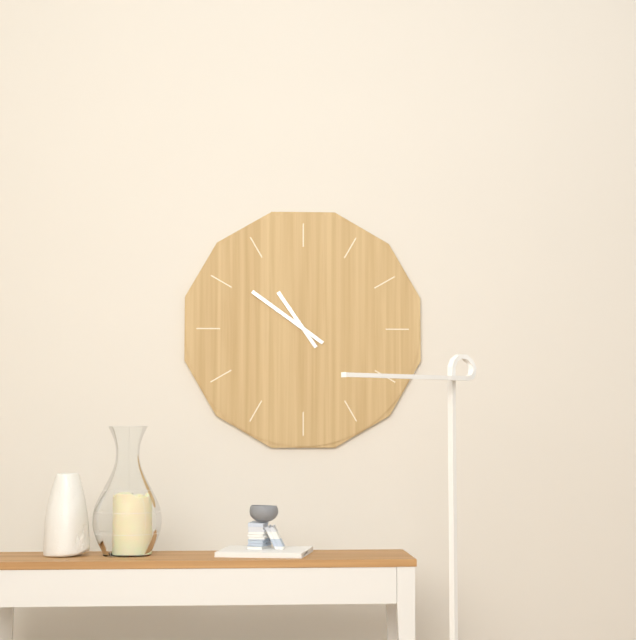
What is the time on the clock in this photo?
10:51
